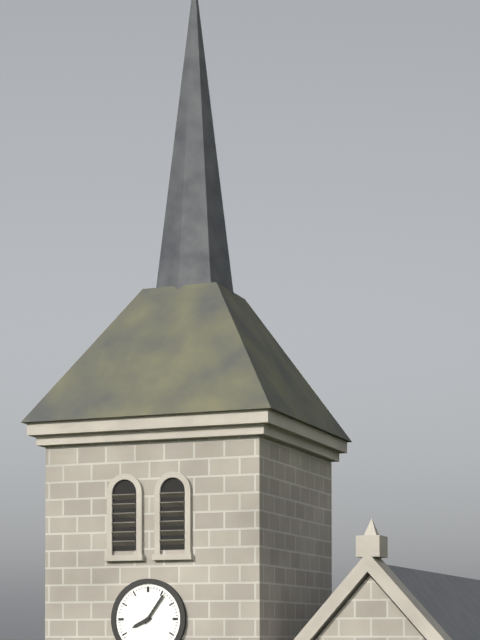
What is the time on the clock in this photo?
8:06
